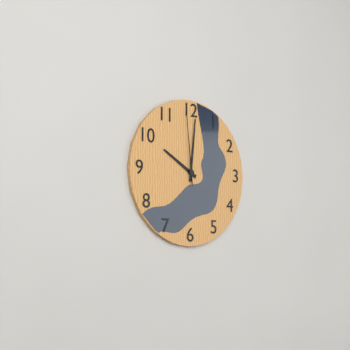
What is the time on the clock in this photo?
10:01:59
